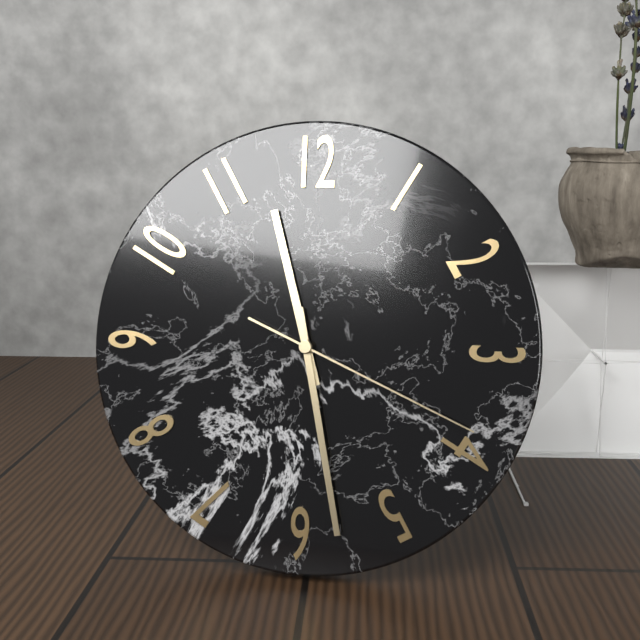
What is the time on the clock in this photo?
11:28:19
